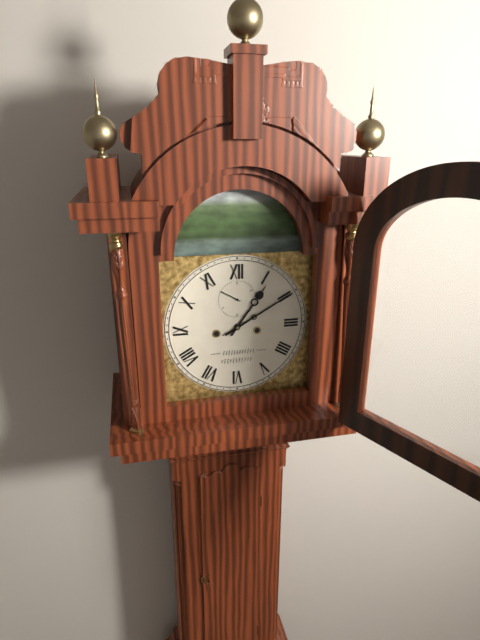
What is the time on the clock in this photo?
1:10
